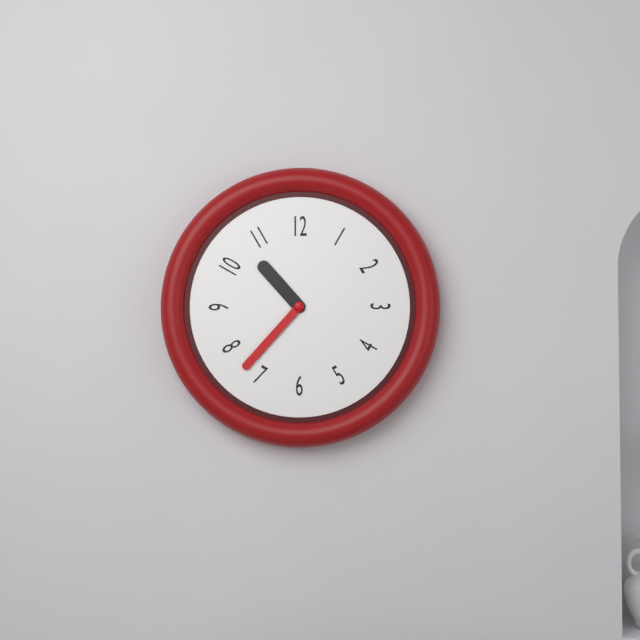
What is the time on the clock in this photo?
10:37
